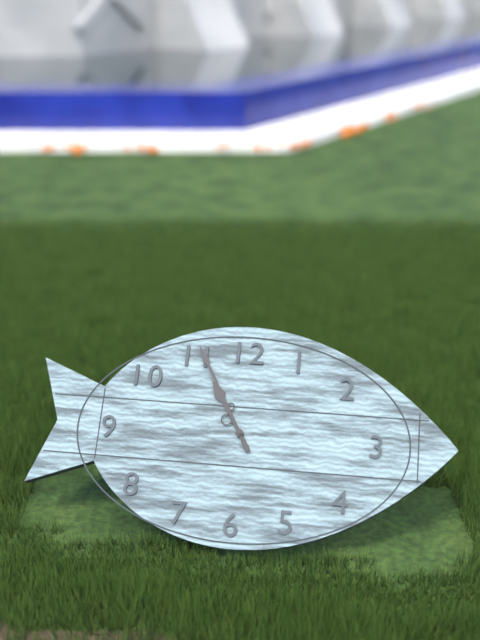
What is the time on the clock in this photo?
10:55
